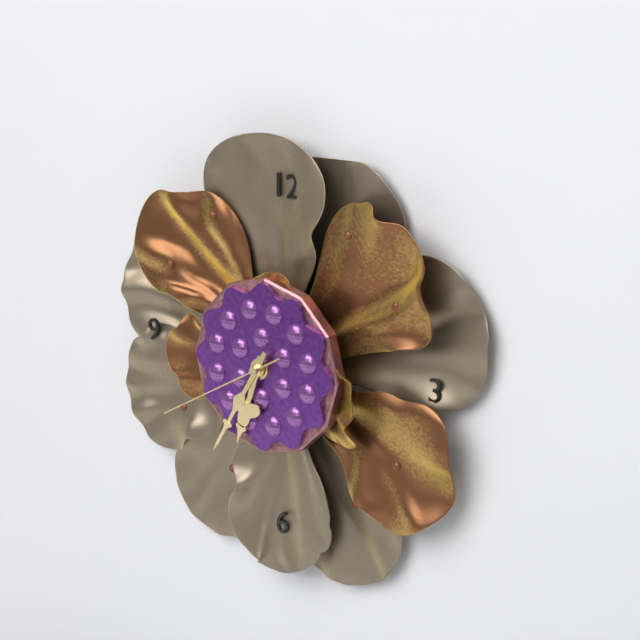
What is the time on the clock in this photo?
6:35:40
